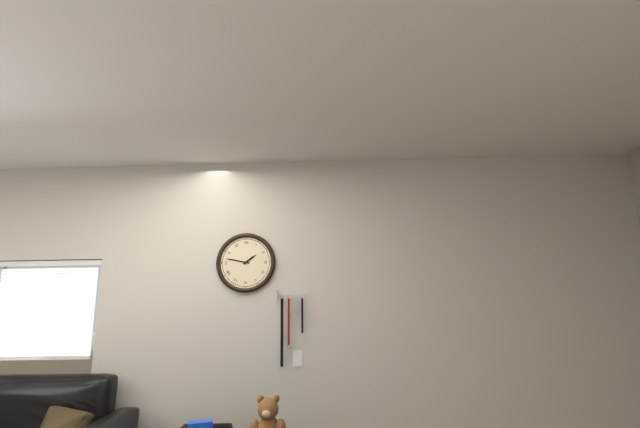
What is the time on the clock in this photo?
1:47
